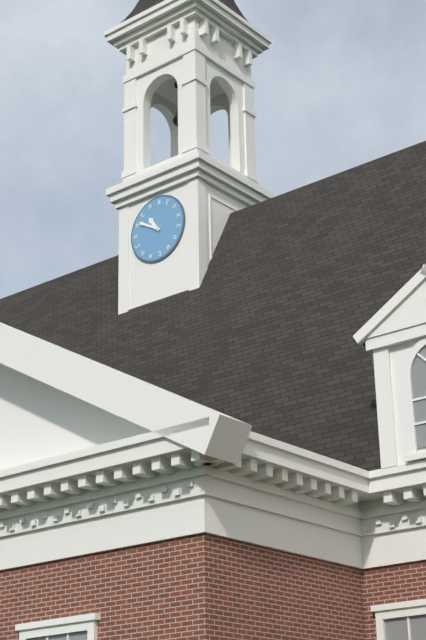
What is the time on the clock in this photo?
10:50
